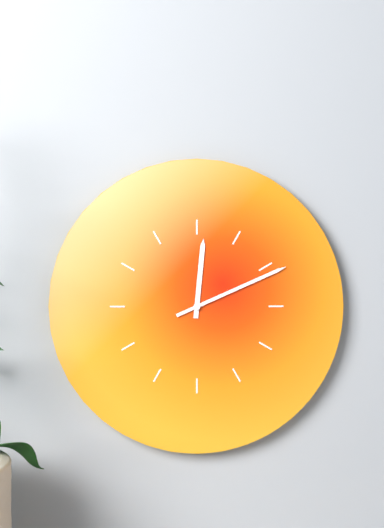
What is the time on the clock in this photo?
12:11
